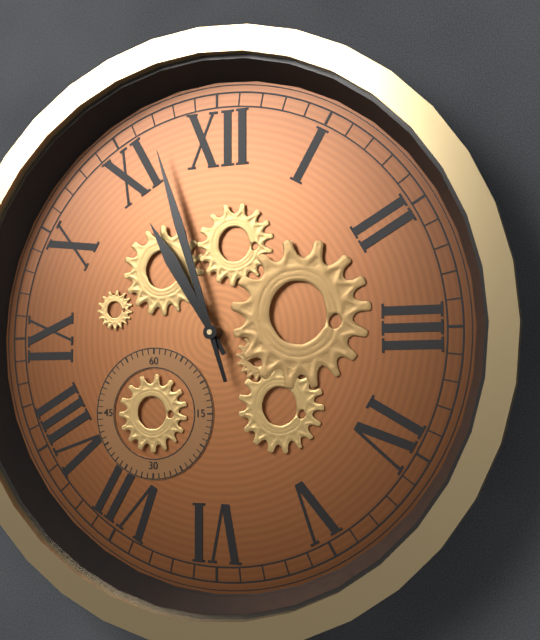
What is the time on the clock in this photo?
10:57
